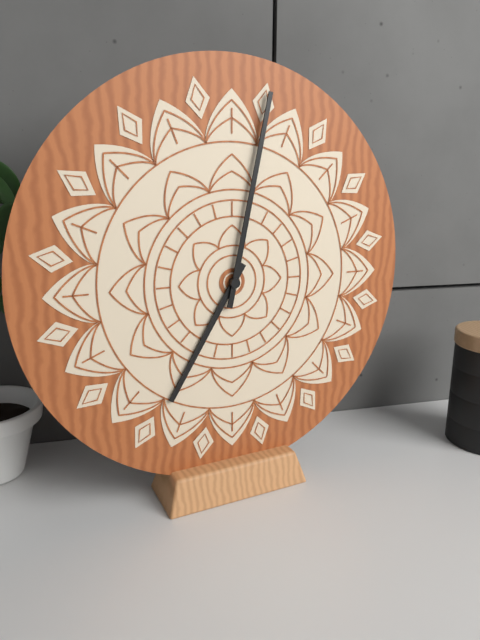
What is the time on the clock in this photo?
7:02
